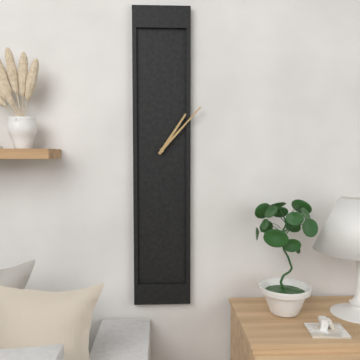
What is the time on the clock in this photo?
1:07
